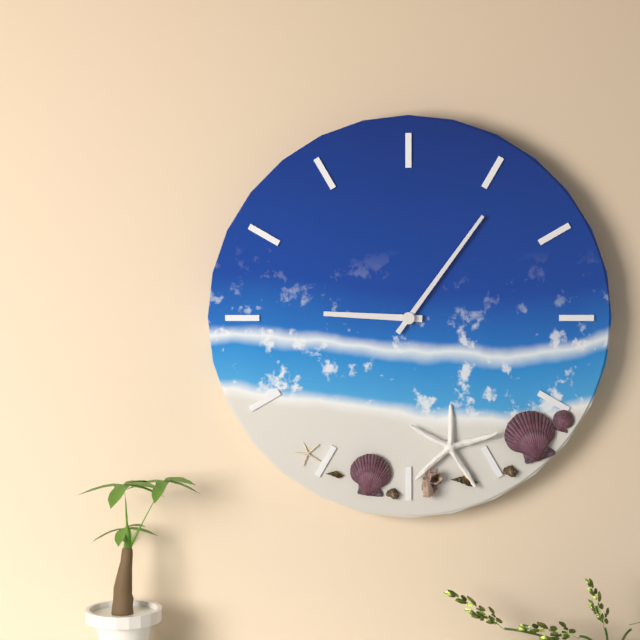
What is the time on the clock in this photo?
9:06
